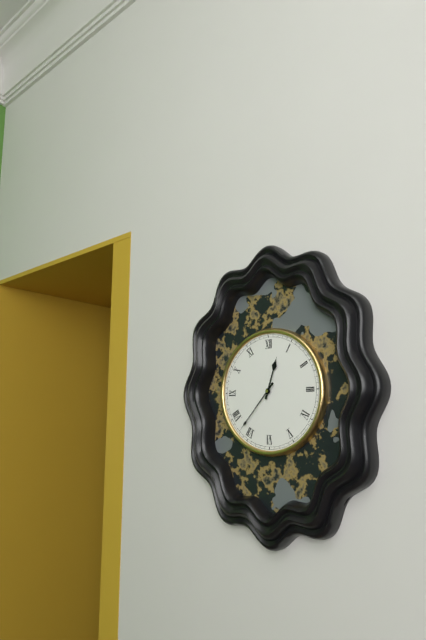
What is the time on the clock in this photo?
12:37
